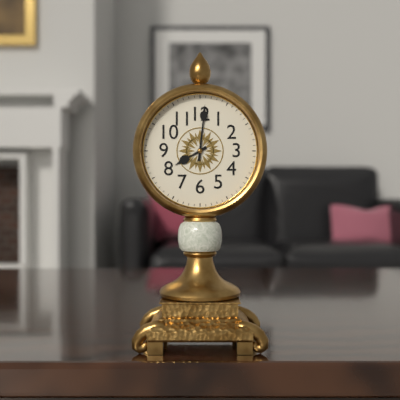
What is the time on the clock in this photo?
8:01
